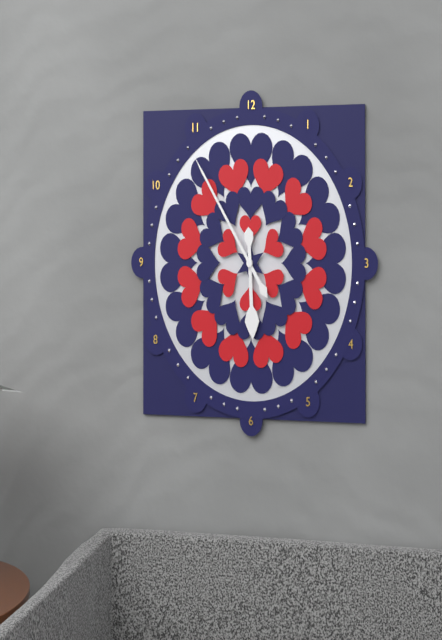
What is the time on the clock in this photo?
5:54
